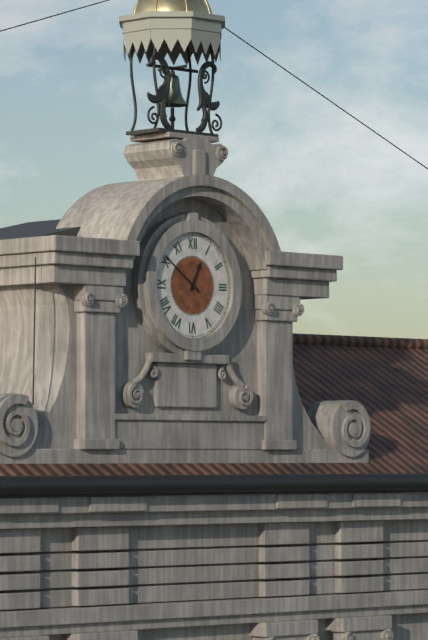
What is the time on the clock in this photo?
12:51
